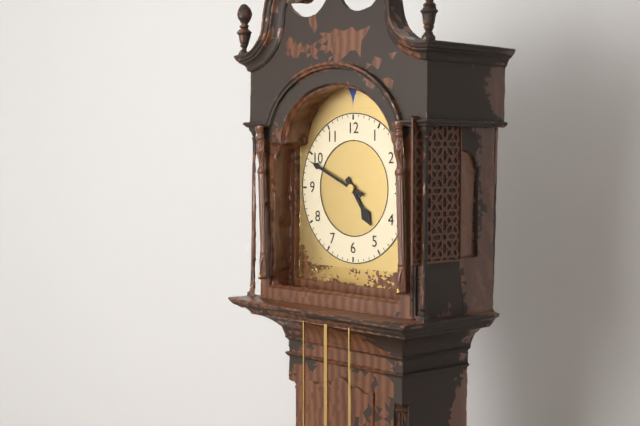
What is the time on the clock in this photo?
4:49
